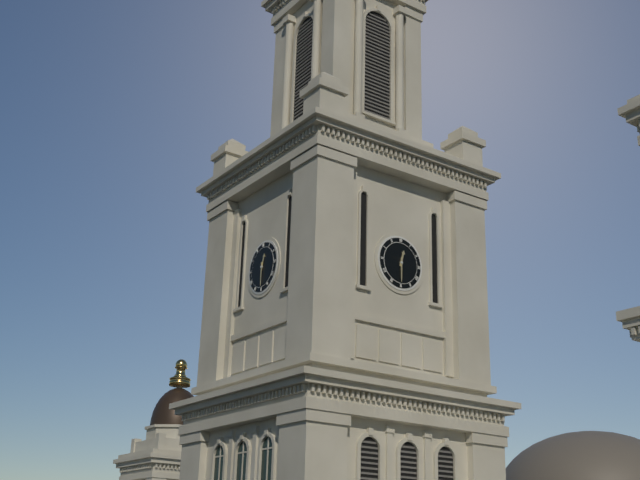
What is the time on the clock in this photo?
12:30
